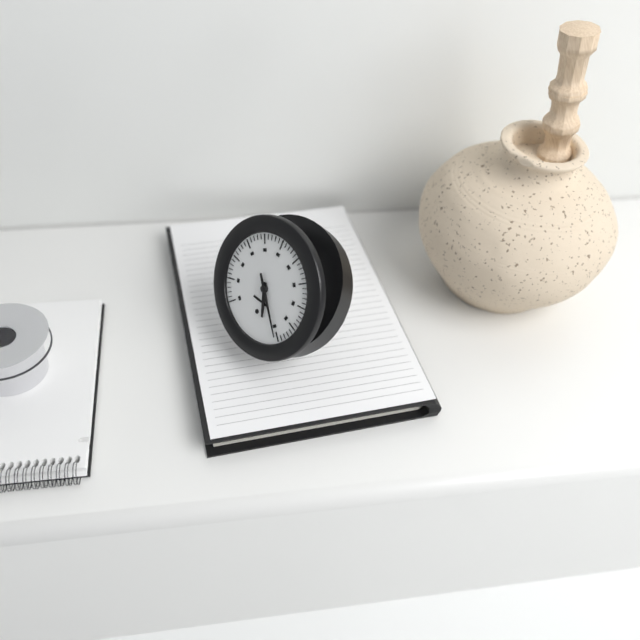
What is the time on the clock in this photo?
5:23
